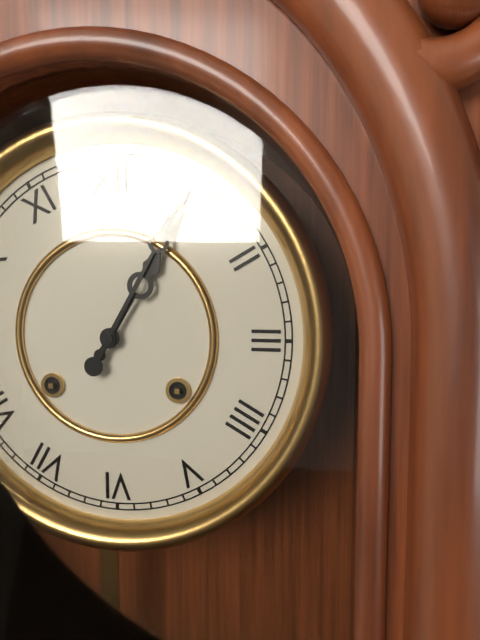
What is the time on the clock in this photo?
1:05
